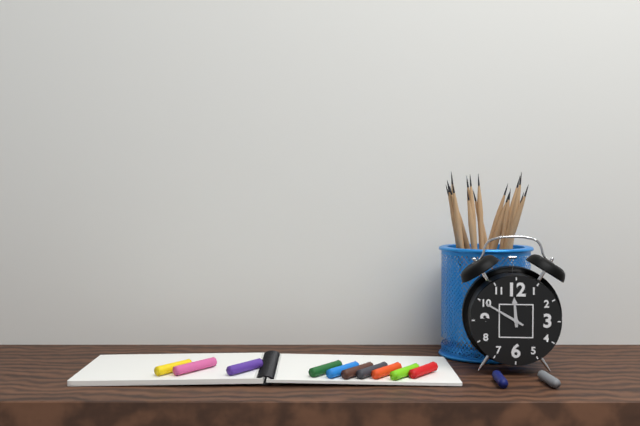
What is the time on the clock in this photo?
11:50
